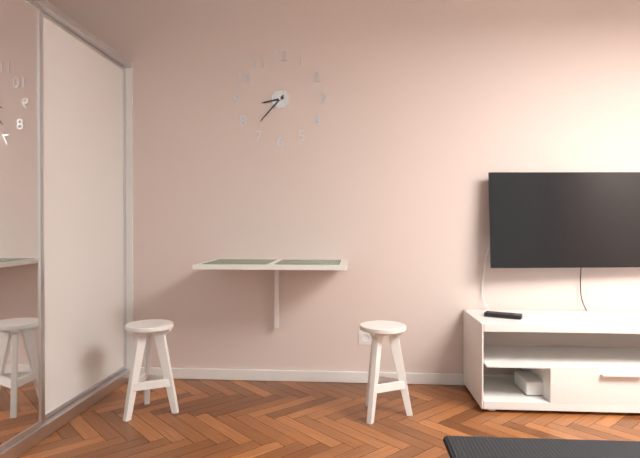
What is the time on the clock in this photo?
8:37
